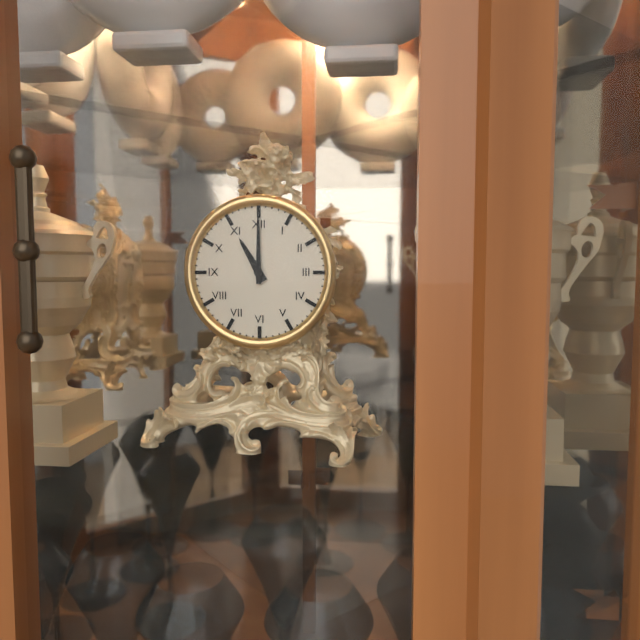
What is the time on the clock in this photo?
11:00
